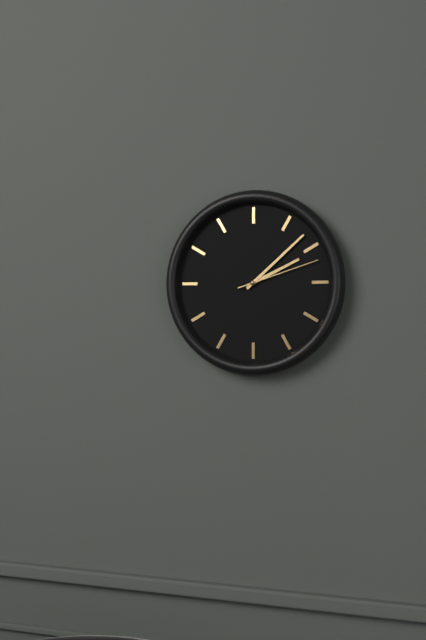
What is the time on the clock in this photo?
2:08:12
